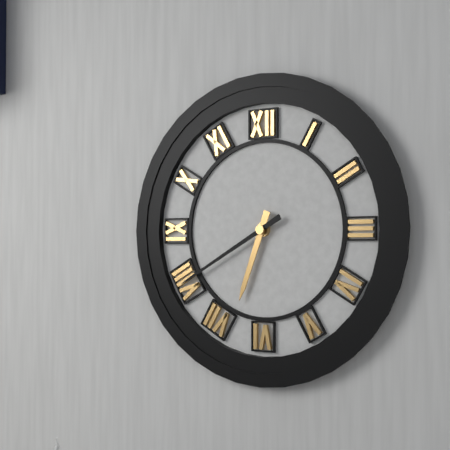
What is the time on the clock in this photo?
6:40
